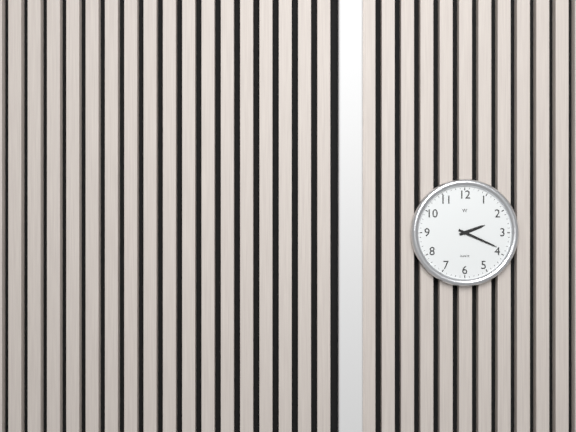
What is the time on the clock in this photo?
2:19
